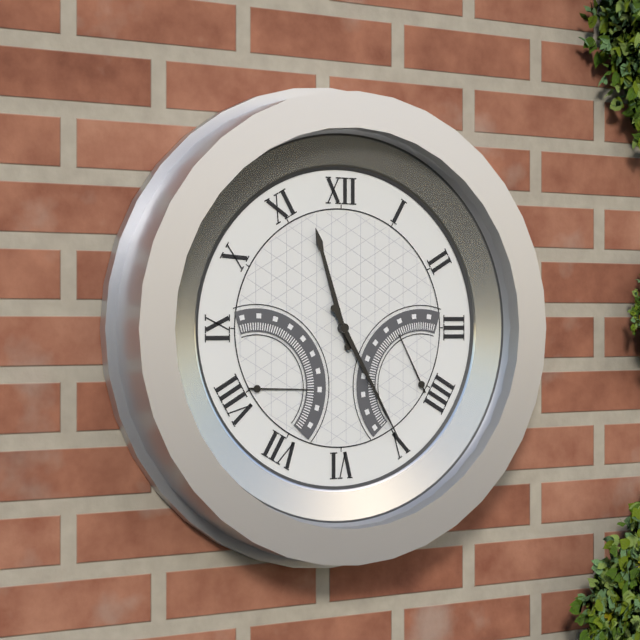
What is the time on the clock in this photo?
11:25
